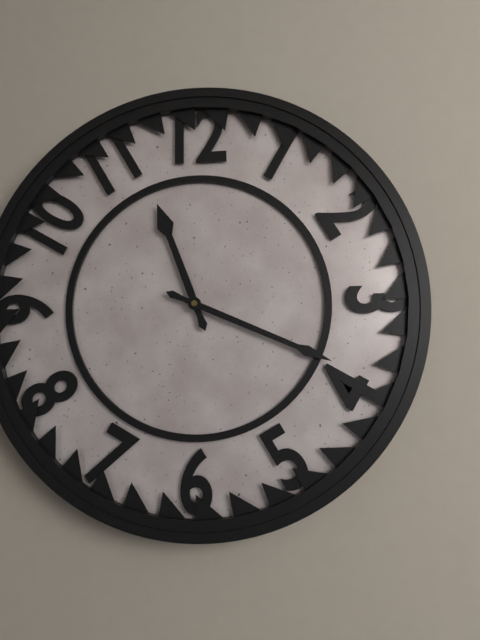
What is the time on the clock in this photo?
11:19
